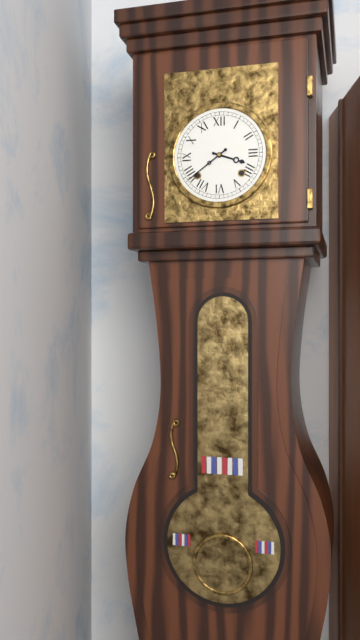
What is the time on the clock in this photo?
3:39
